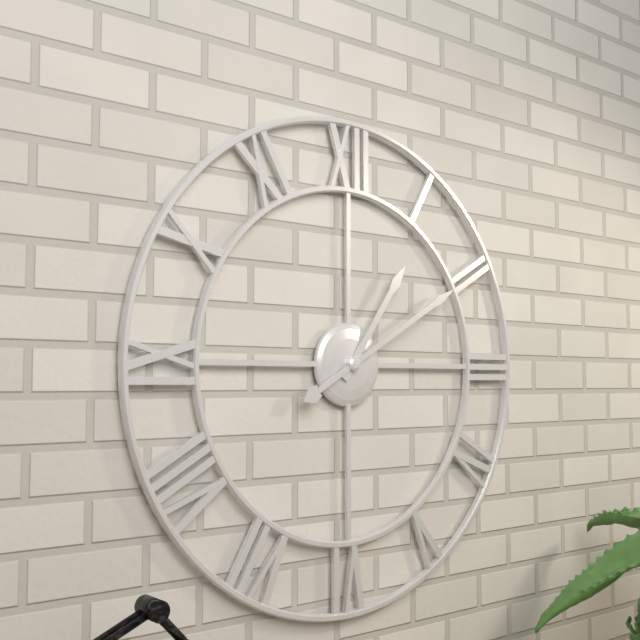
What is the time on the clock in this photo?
1:10
